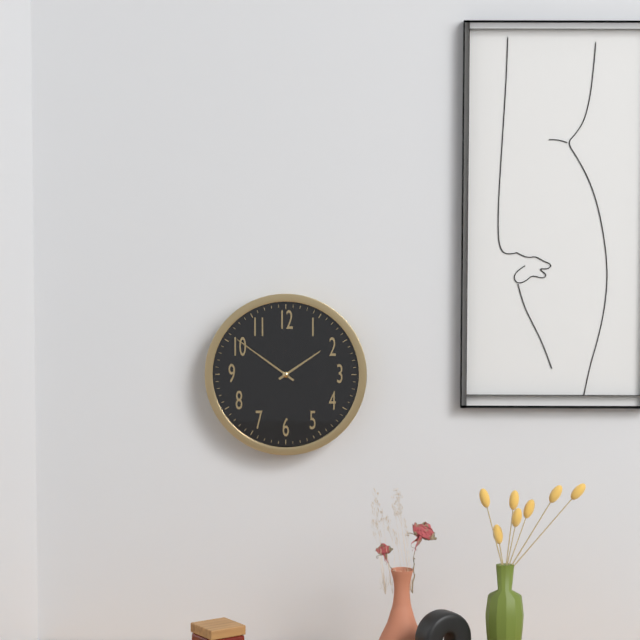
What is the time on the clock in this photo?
1:51
